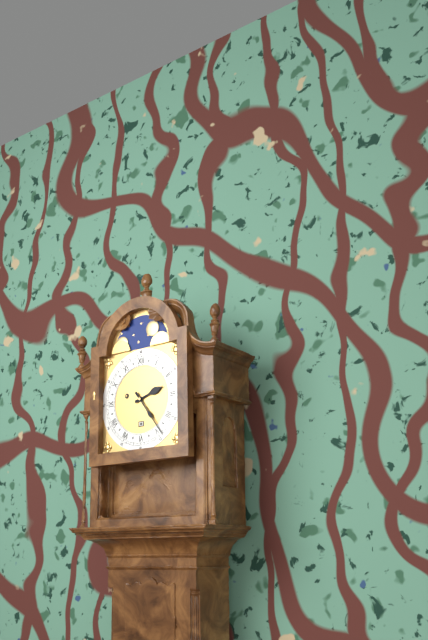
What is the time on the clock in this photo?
2:24
